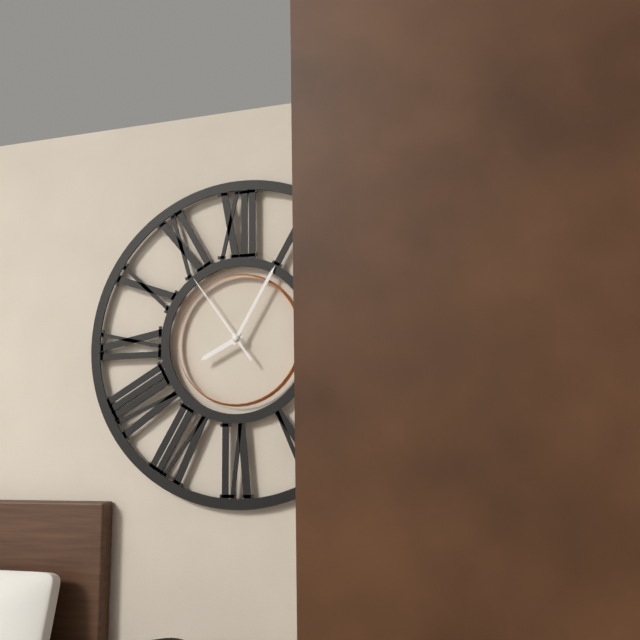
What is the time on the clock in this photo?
8:05:54
